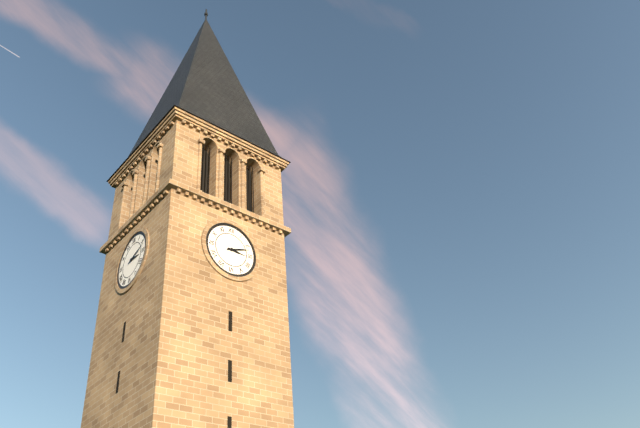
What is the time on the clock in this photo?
3:12
